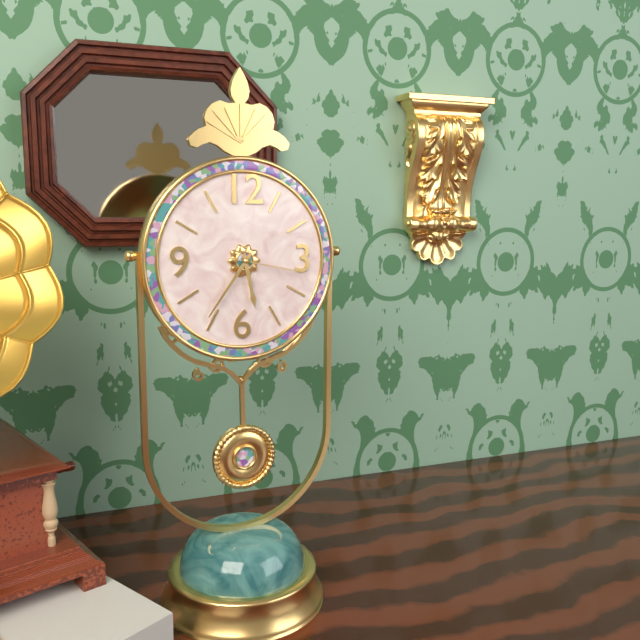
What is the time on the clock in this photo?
5:36:17
